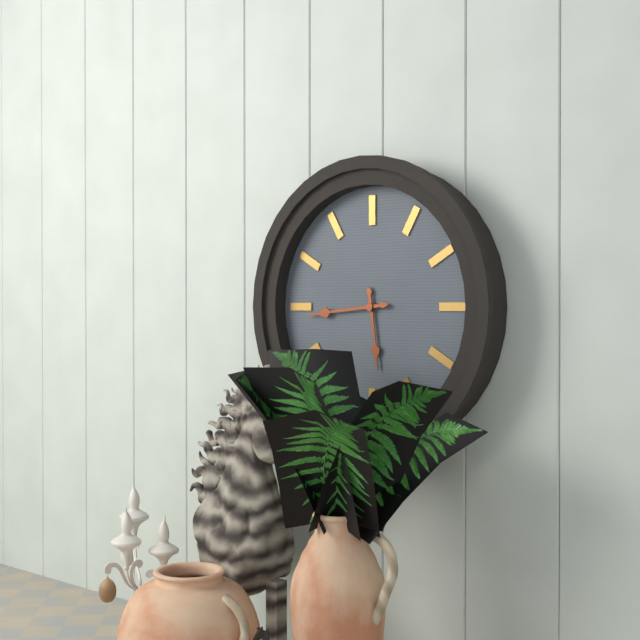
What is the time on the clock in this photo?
5:44
